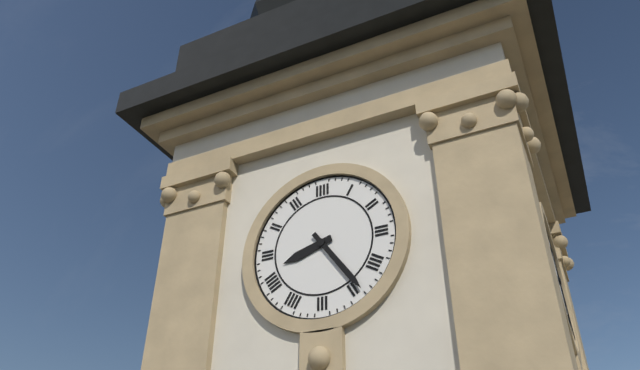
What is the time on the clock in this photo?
8:24
